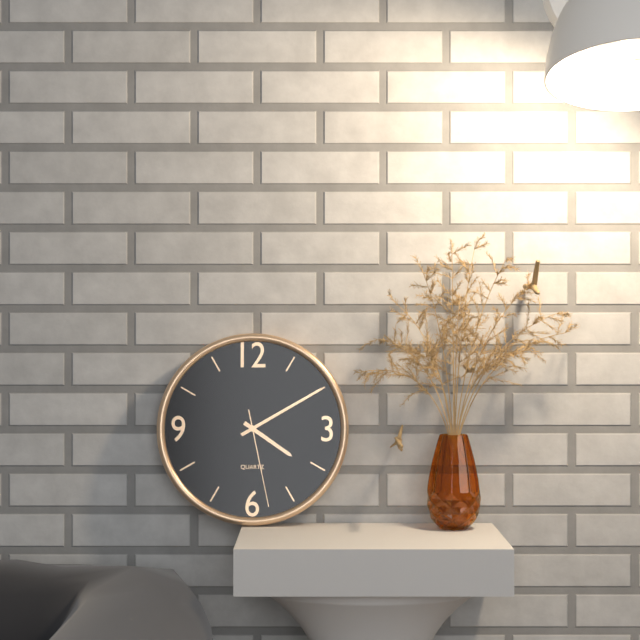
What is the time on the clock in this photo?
4:10:28
